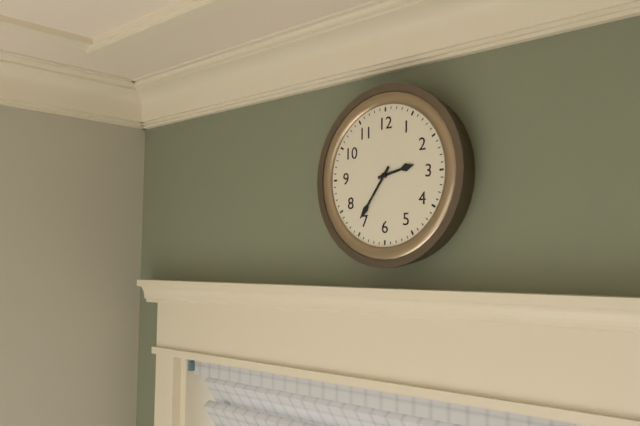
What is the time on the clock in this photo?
2:36
